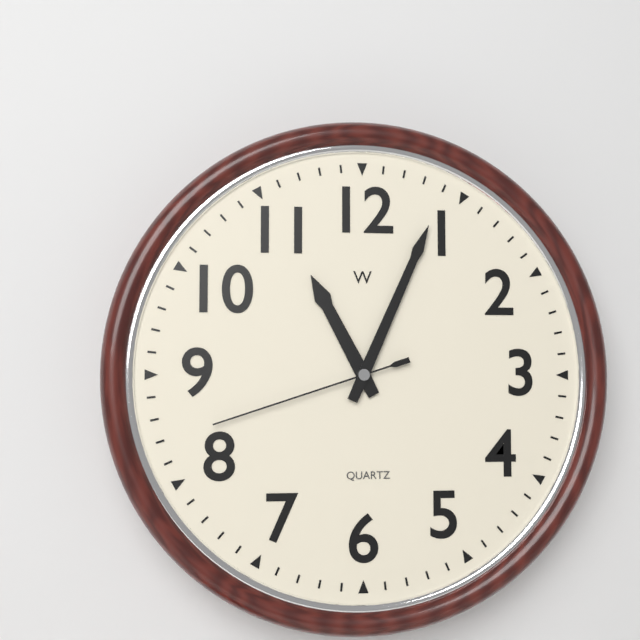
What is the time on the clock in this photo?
11:04:42
